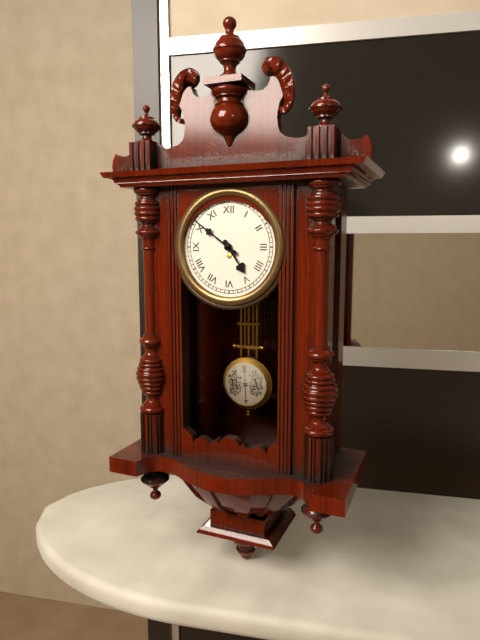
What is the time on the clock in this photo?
4:51
